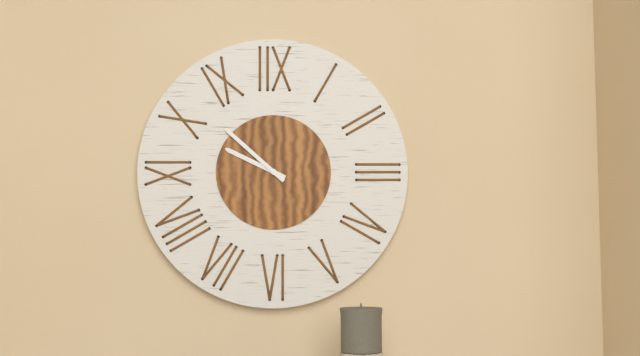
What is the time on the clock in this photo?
9:52
